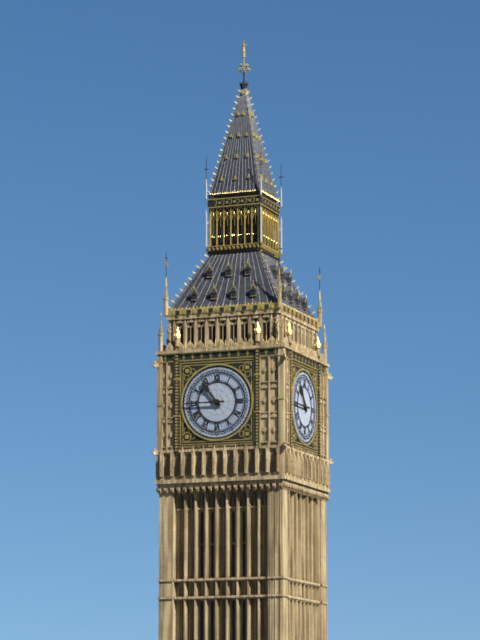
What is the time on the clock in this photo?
10:45
